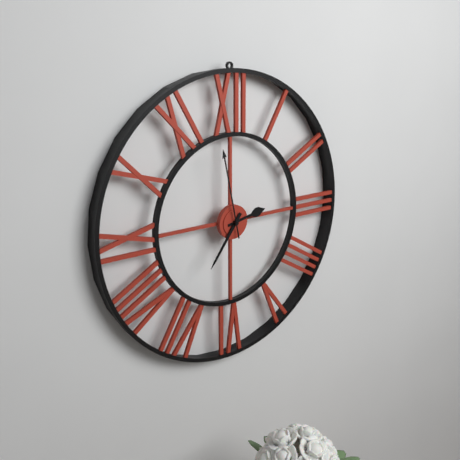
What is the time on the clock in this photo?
2:36:58
